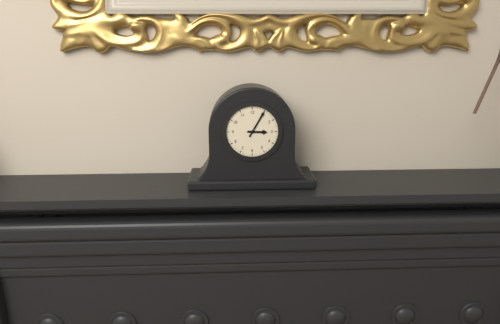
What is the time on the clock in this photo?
3:05
